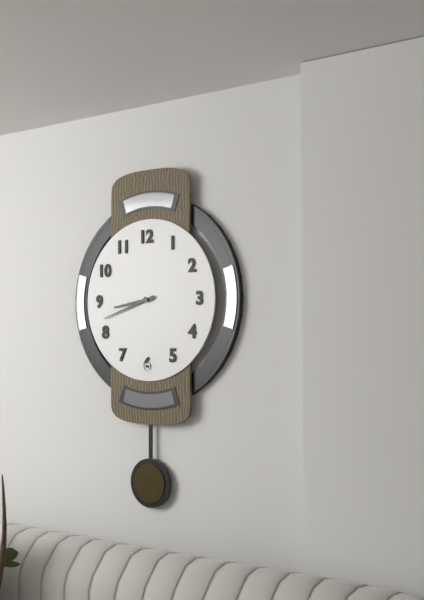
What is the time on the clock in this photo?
8:42
